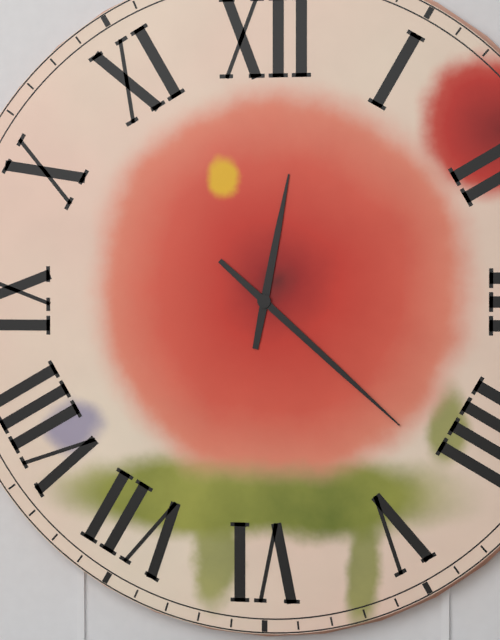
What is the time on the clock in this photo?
12:22
